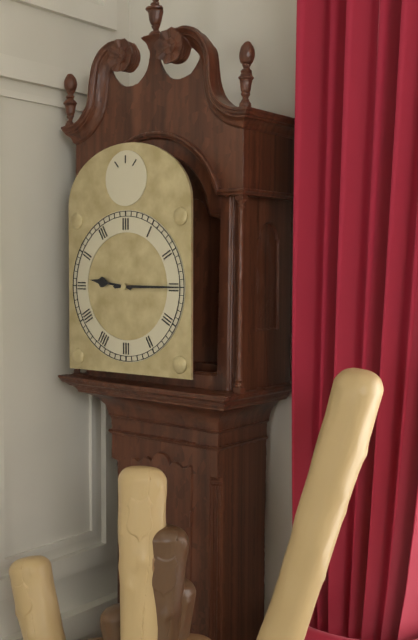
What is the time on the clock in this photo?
9:15
